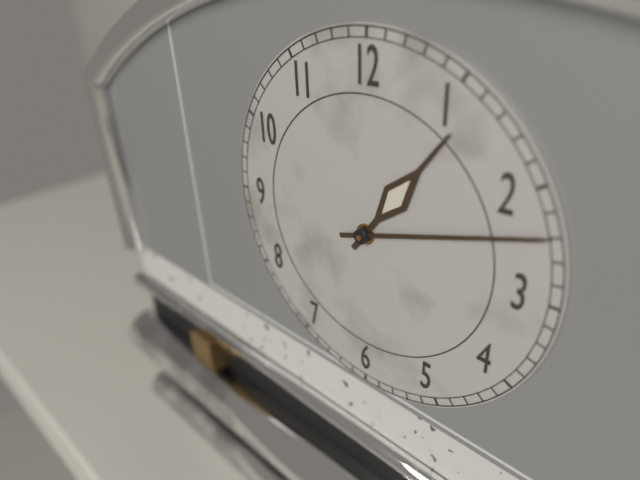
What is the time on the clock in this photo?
1:12
